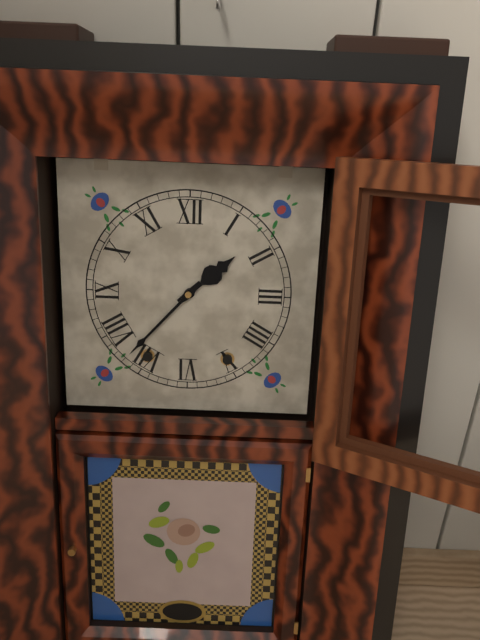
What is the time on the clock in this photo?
1:37
